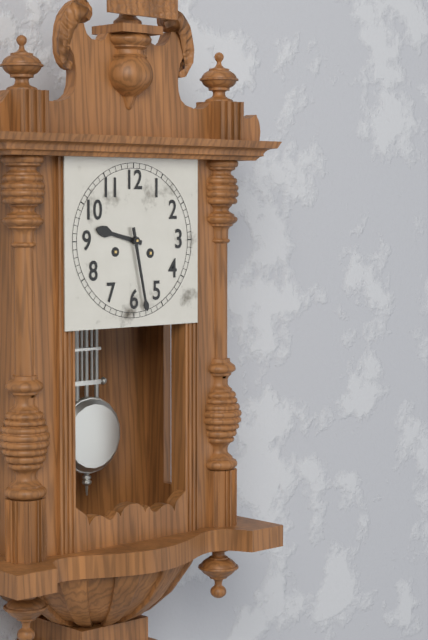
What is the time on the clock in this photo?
9:28
